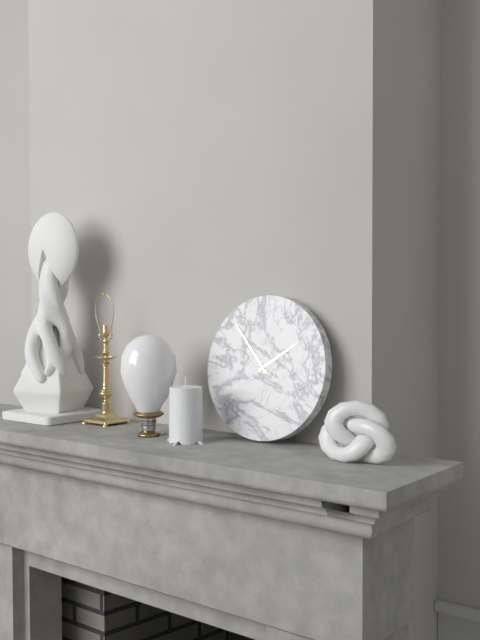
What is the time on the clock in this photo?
1:53
